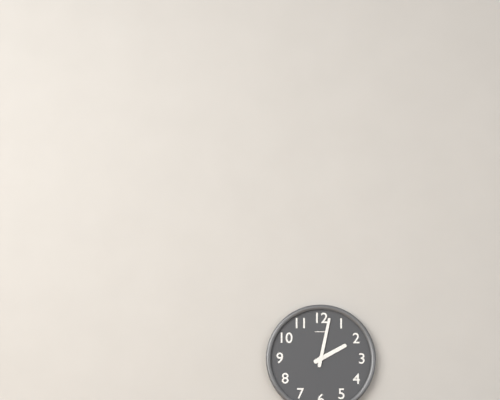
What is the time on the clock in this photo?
2:02
